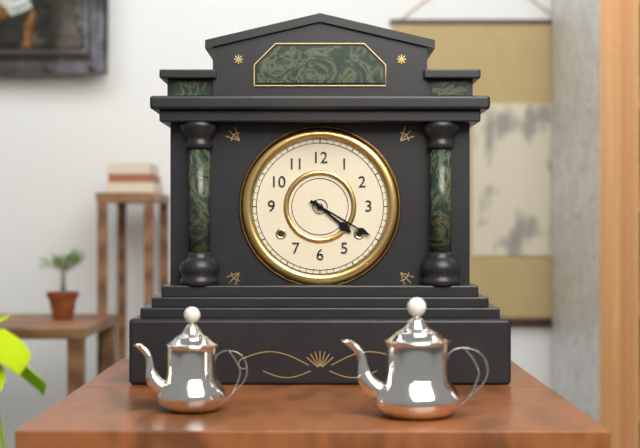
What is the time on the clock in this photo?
4:20
